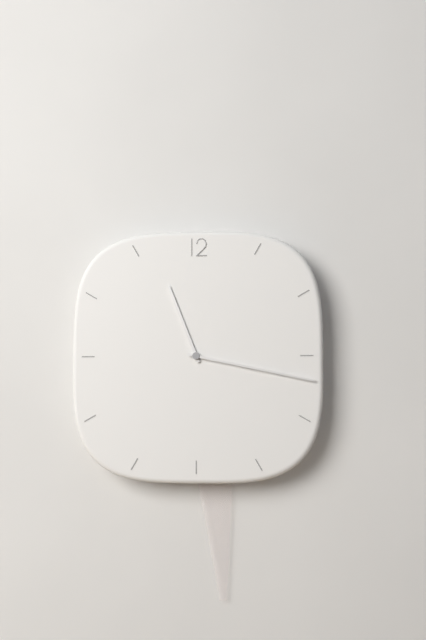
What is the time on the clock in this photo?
11:17
